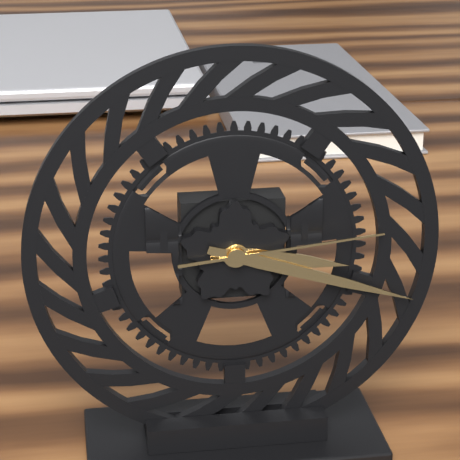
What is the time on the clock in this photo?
3:18:14
